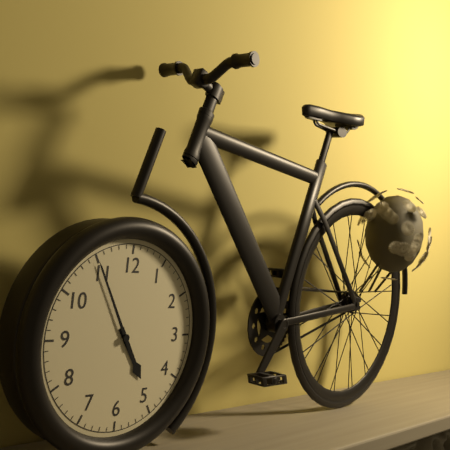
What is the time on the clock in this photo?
4:55
